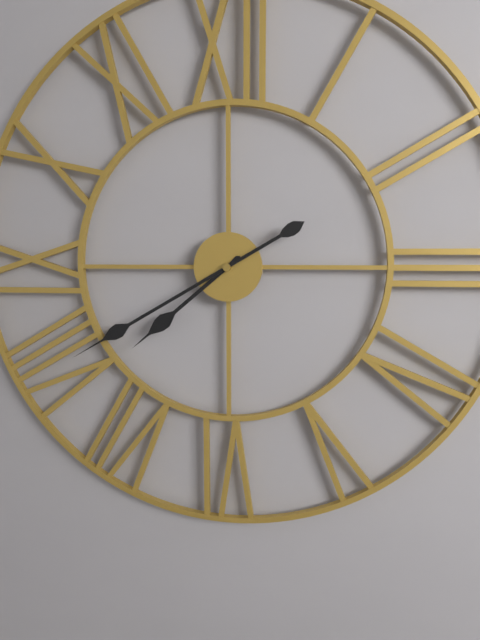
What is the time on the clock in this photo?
7:40
